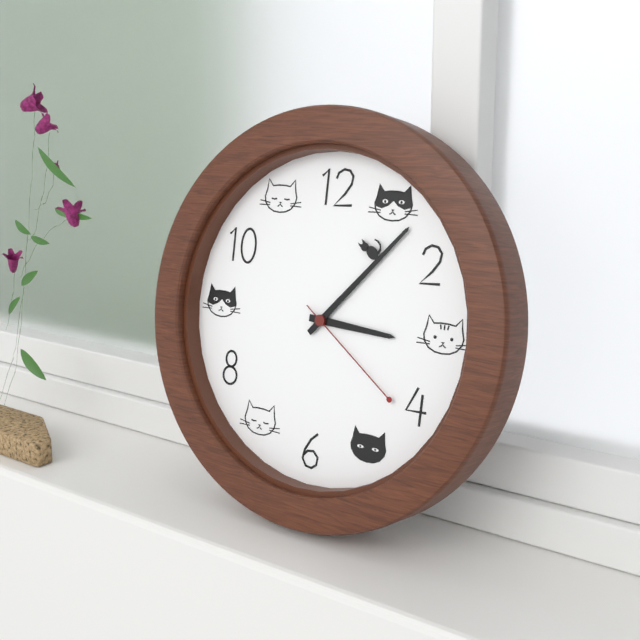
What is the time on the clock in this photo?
3:07:21
